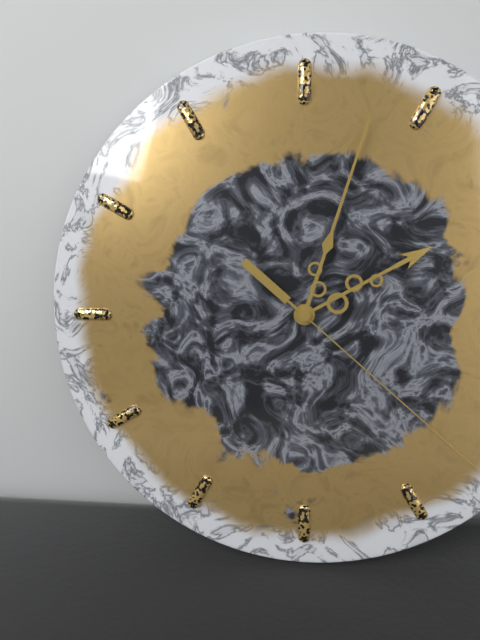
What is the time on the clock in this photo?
2:03:22
